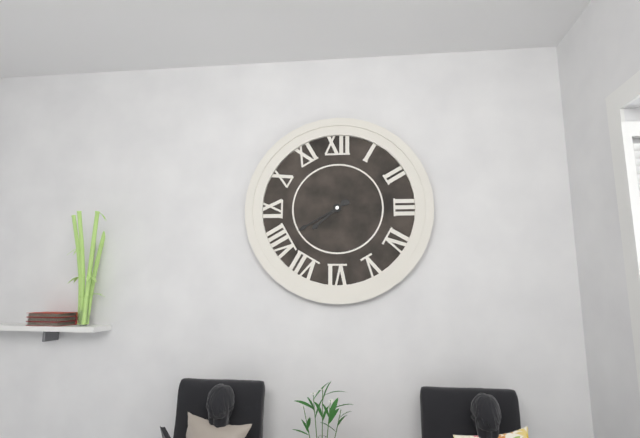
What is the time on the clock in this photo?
7:40
